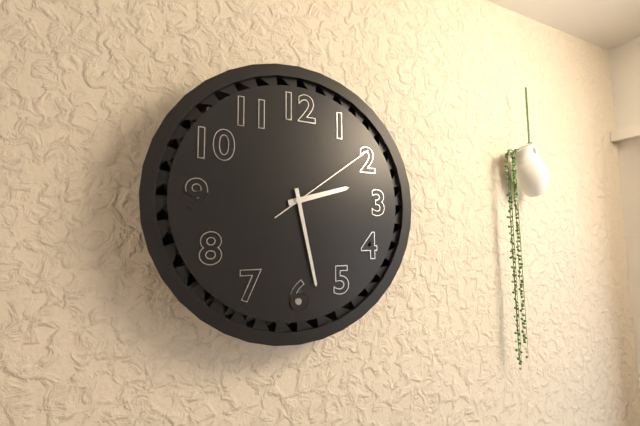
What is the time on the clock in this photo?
2:28:09
